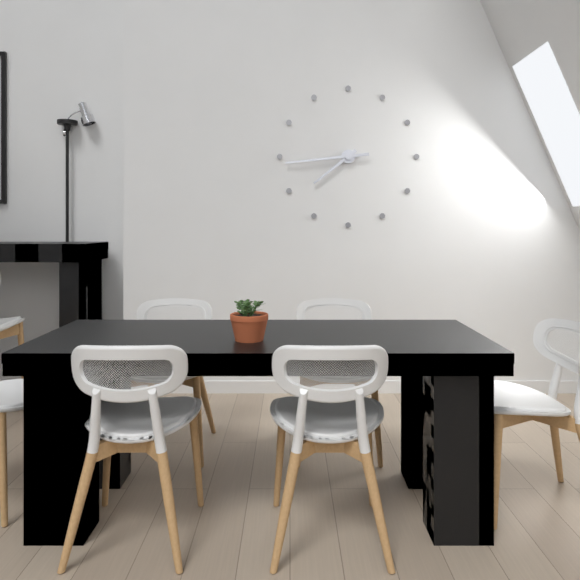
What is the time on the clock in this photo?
7:44
